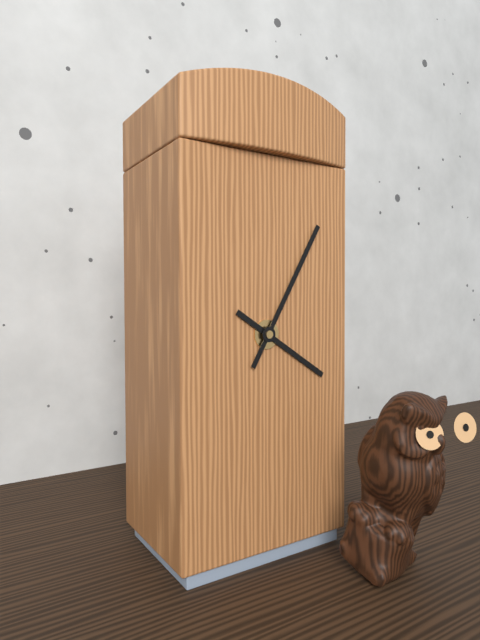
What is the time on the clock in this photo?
4:05
